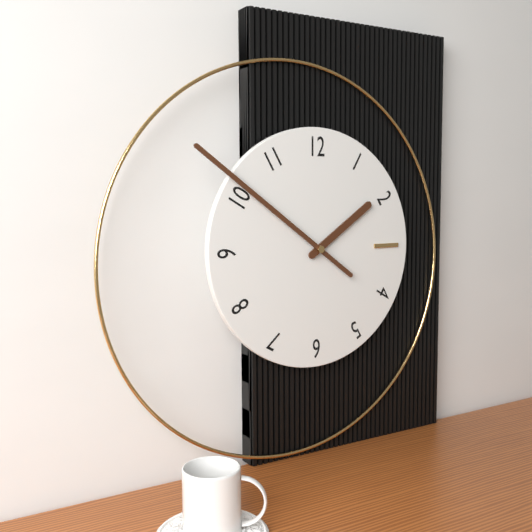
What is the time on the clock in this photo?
1:51
